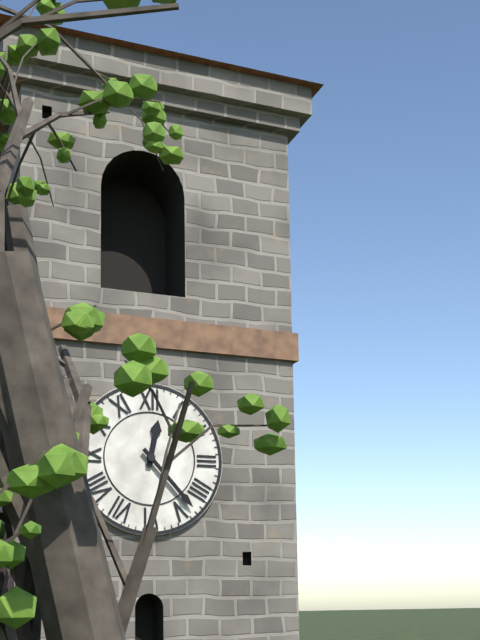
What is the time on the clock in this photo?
12:23
